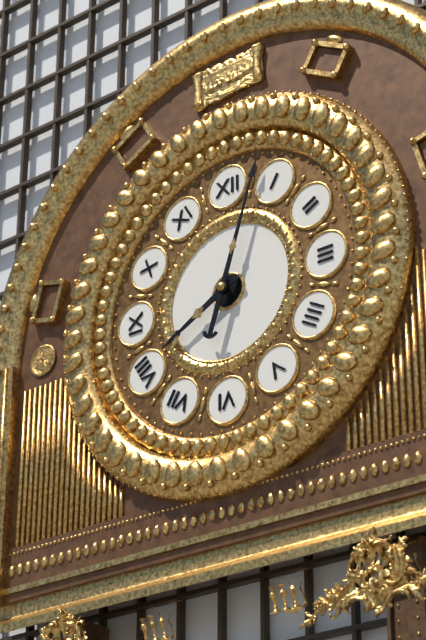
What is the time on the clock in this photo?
8:03
